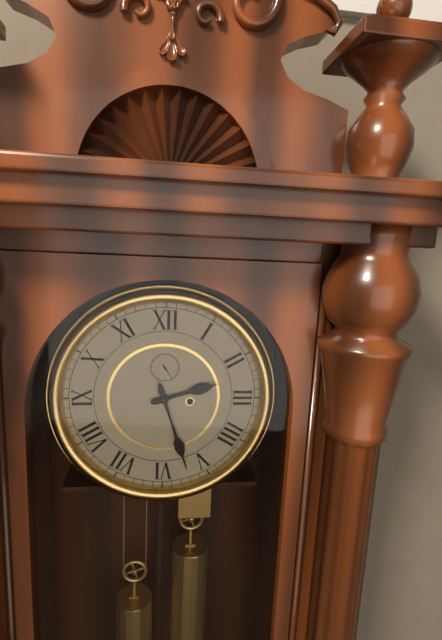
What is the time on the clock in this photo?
2:27
